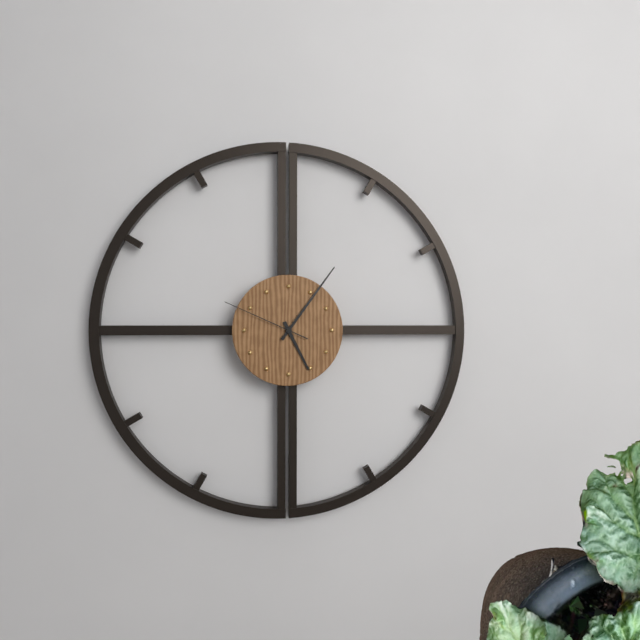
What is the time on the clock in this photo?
5:06:49
